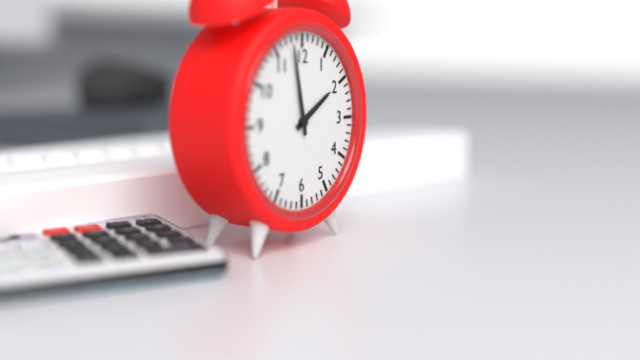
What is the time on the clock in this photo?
1:58
